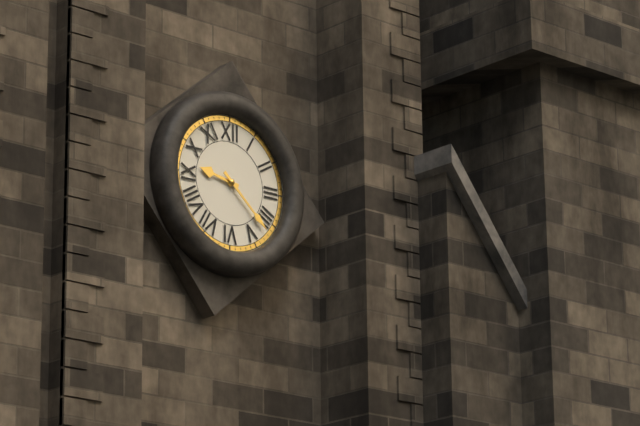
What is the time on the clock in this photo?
9:22
